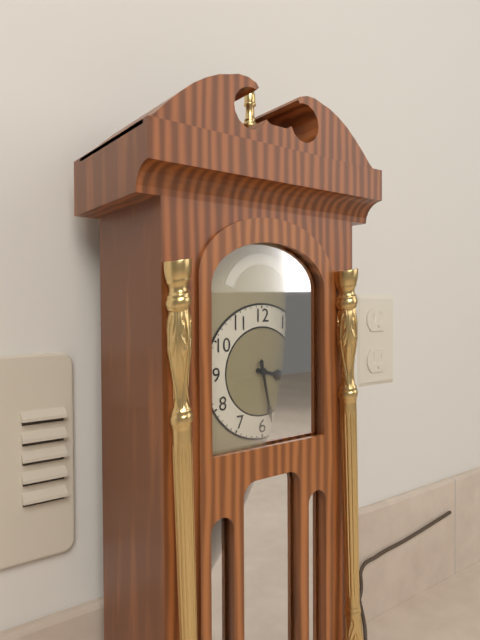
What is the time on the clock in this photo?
3:28
